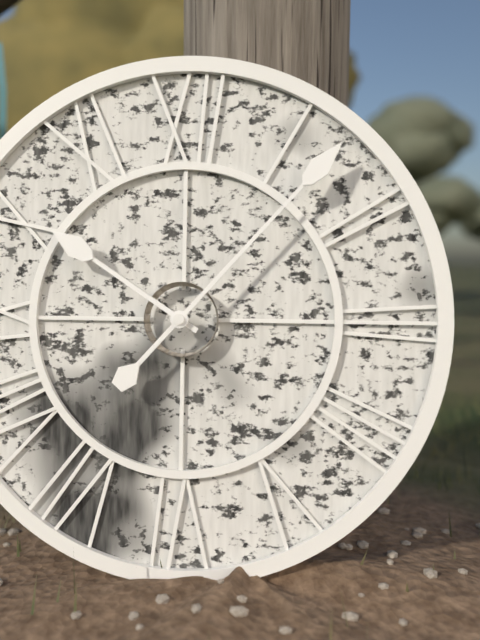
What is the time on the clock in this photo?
10:07
